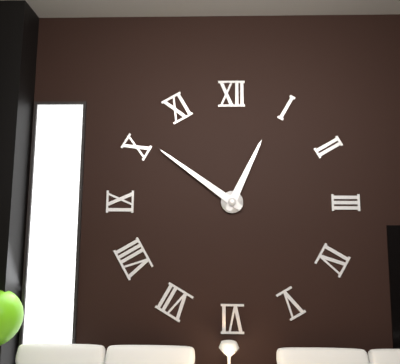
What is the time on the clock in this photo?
12:51
